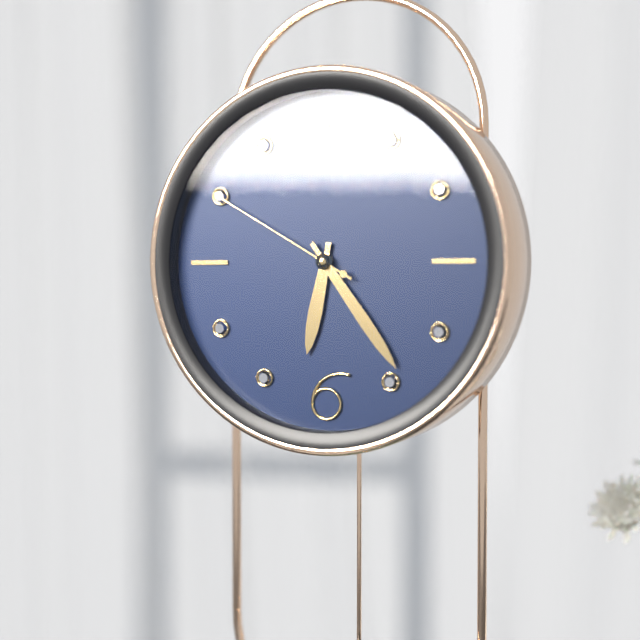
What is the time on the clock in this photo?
6:24:50
